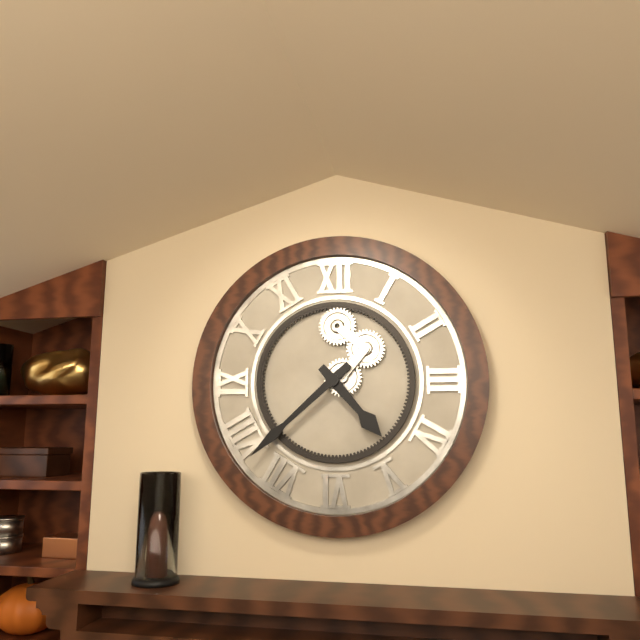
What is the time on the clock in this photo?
4:38
